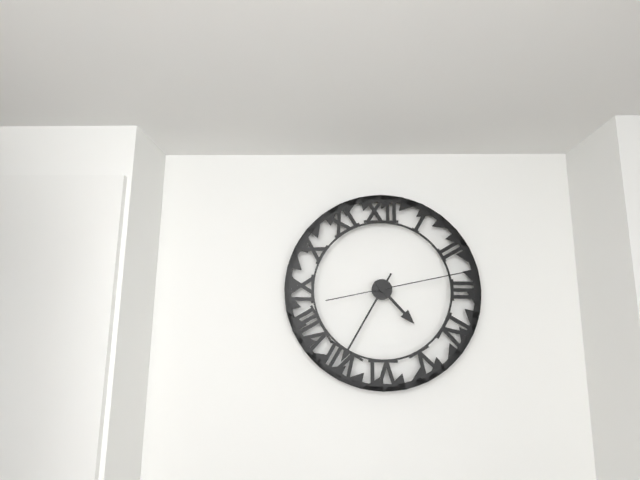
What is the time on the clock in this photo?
4:35:13
